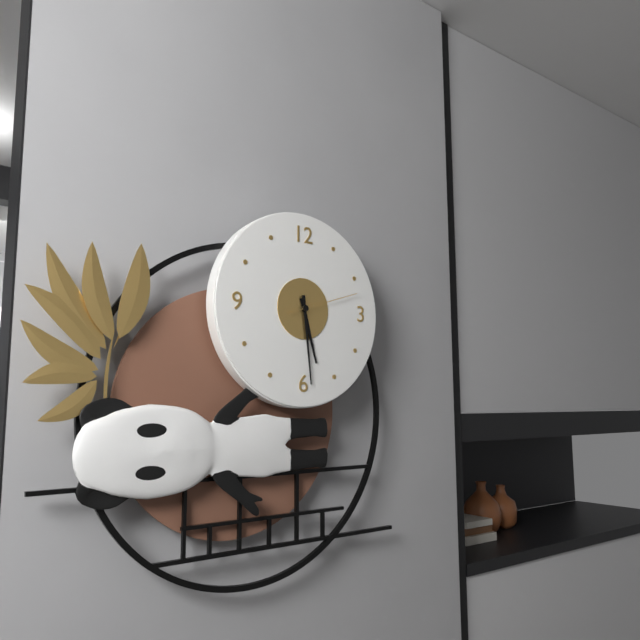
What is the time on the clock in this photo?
5:29:12
